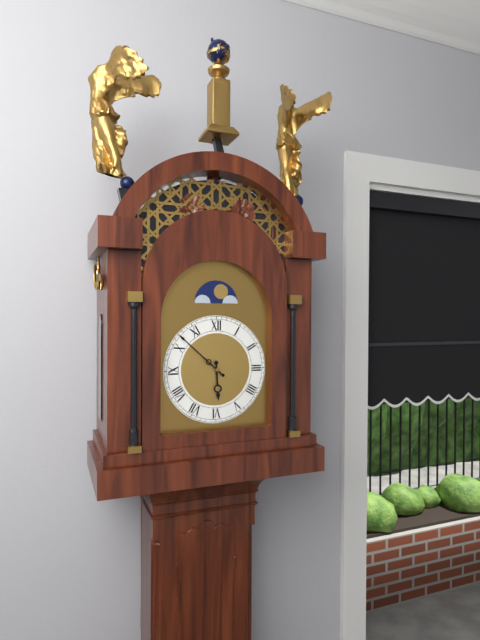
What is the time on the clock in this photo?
5:52
